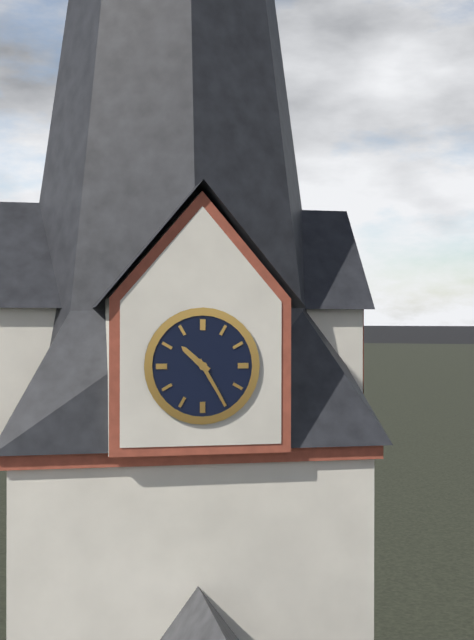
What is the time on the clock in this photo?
10:25
